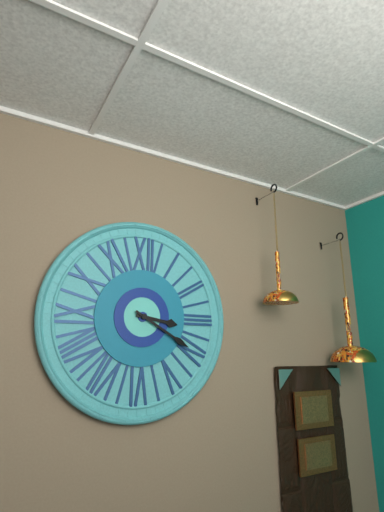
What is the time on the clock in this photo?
3:20
